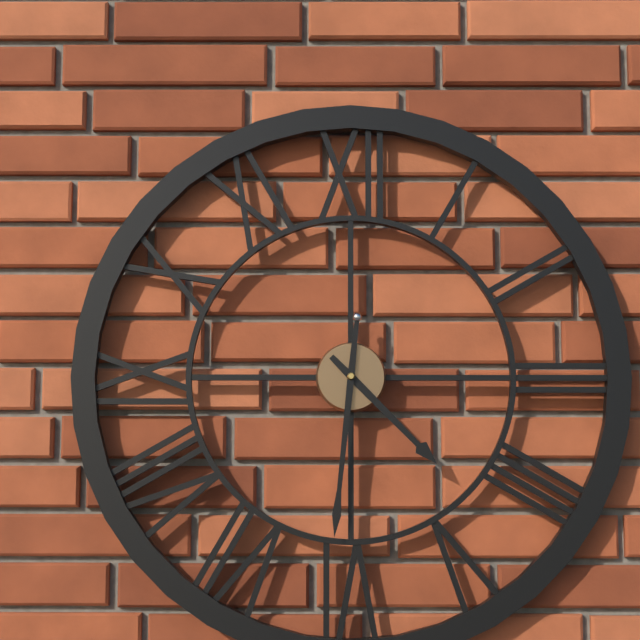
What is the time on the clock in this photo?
4:31
